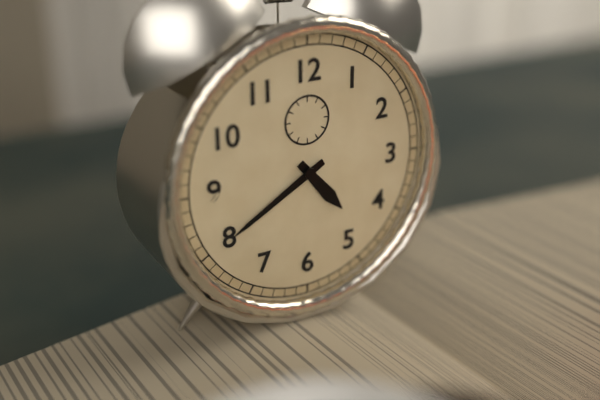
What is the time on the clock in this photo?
4:40
